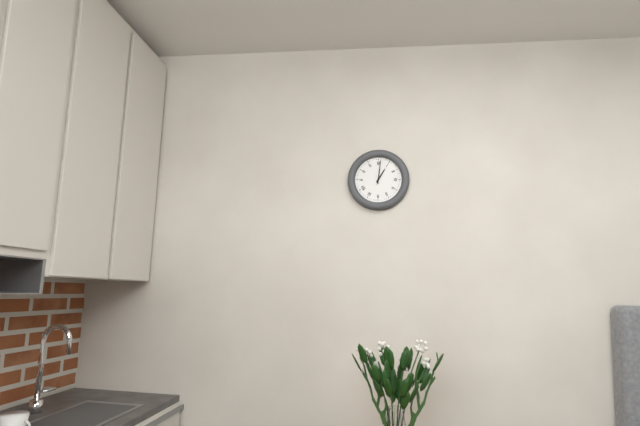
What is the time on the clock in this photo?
1:01
